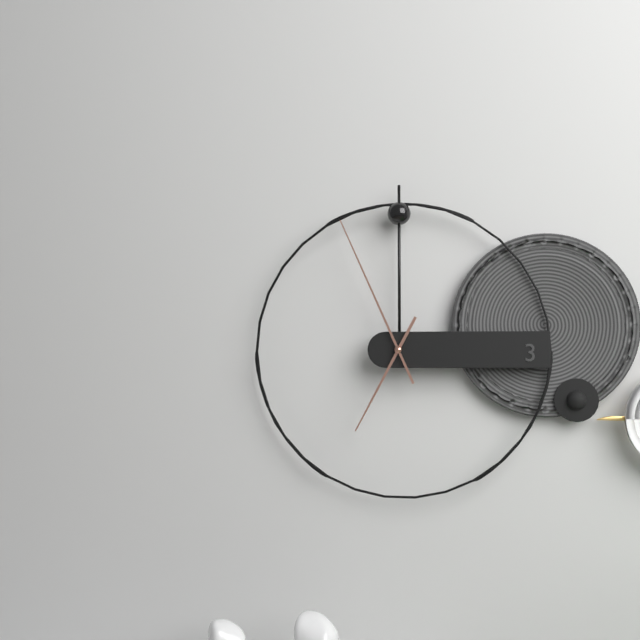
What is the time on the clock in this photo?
6:56
